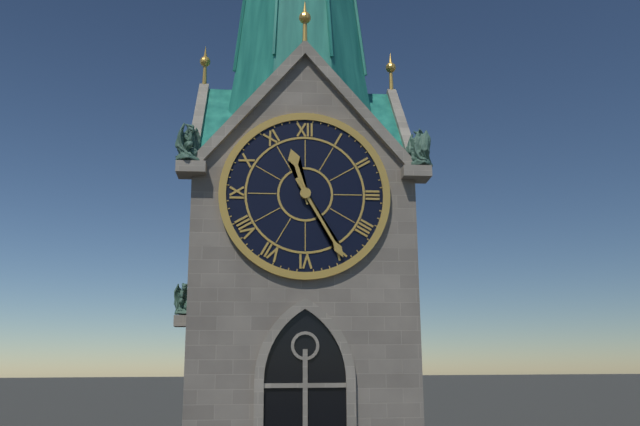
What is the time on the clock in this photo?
11:25
